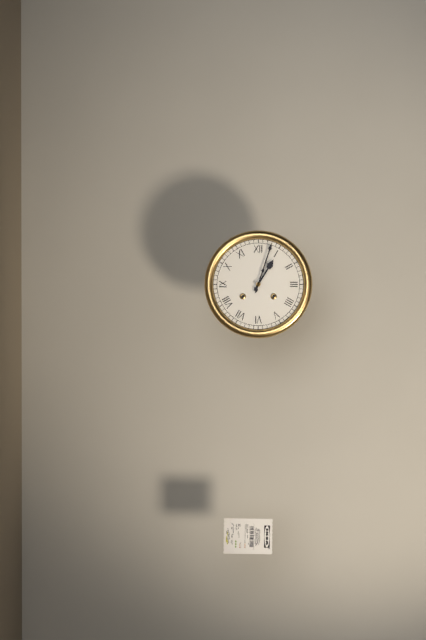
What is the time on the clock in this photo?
1:03
